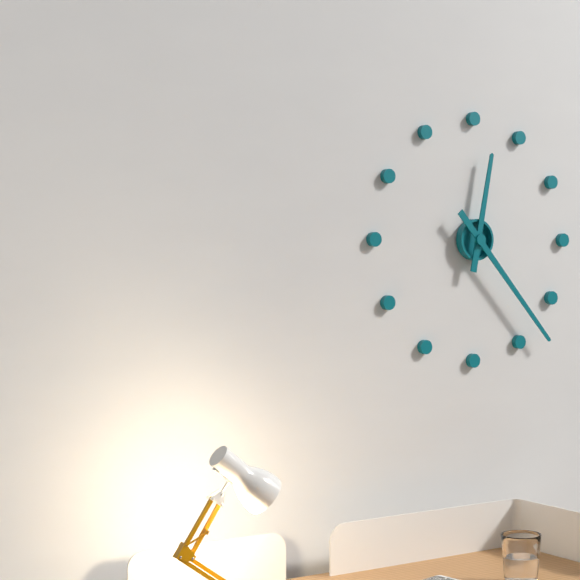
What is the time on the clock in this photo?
12:23
